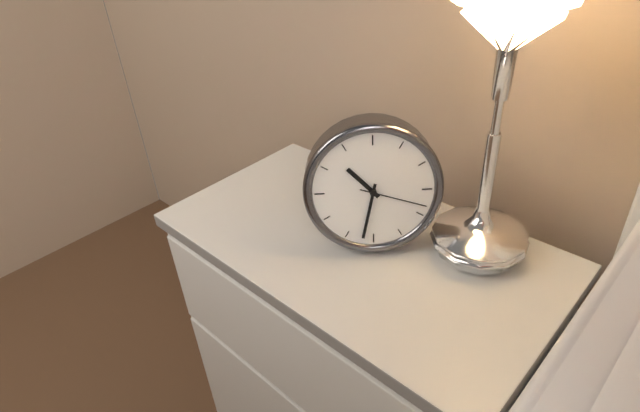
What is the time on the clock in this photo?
10:32:18
